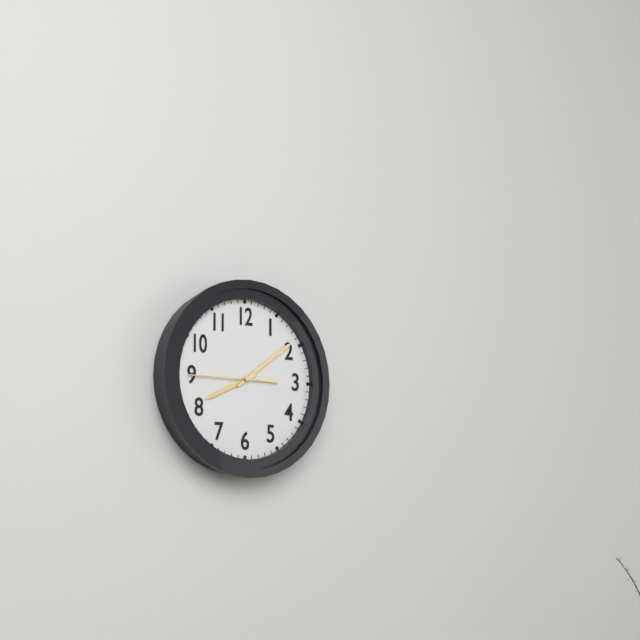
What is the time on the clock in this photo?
8:09:45
